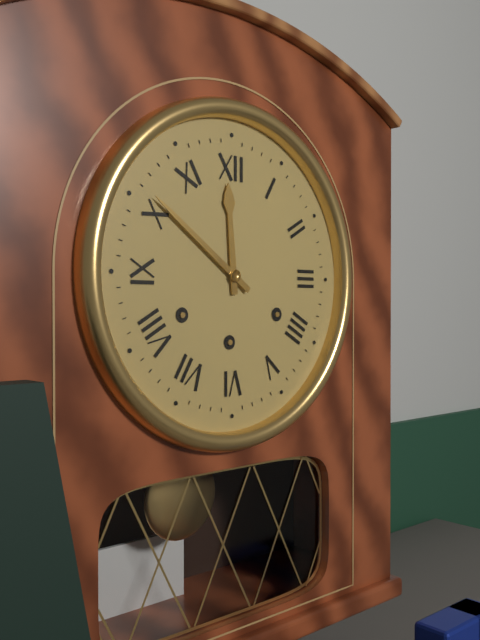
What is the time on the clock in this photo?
11:51
